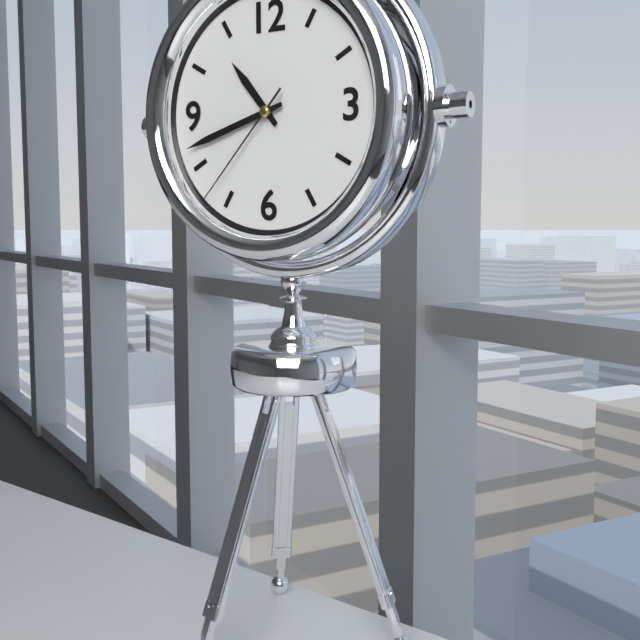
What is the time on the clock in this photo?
10:42:37
